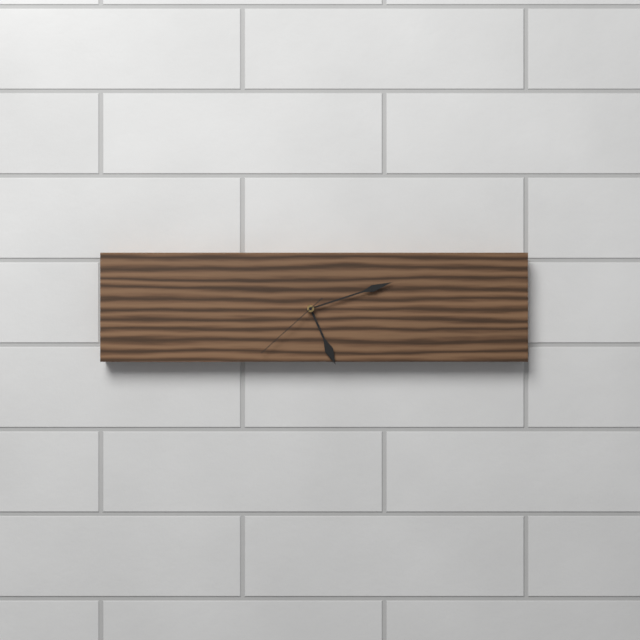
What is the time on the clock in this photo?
5:12:38
